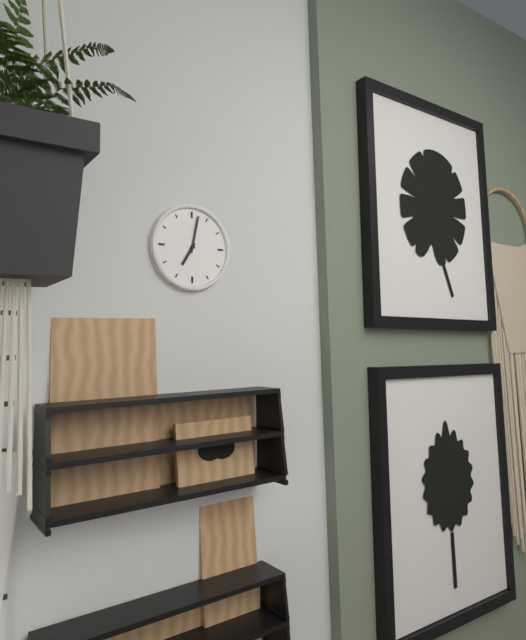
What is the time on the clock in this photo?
7:02
